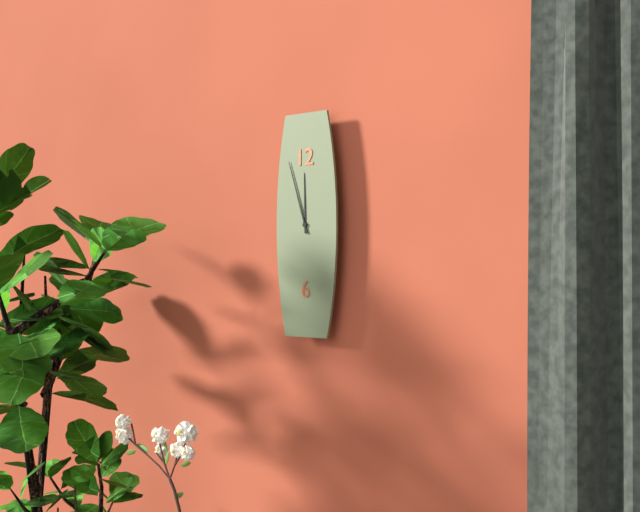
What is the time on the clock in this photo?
11:57
